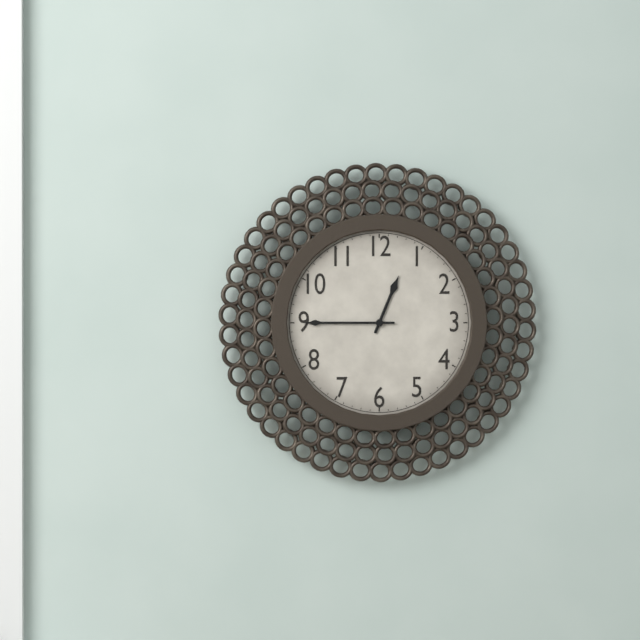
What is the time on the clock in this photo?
12:45
